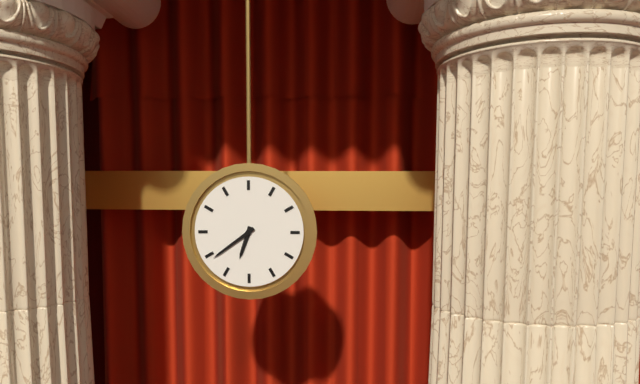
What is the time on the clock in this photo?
6:39
